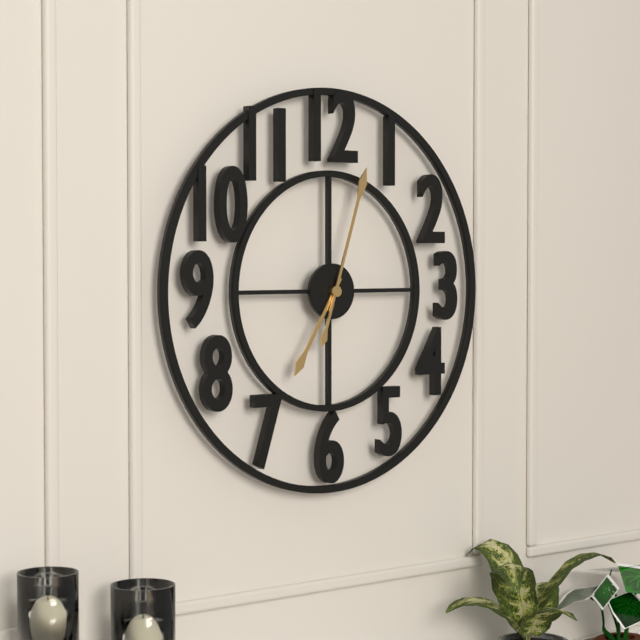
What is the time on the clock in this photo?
7:03
